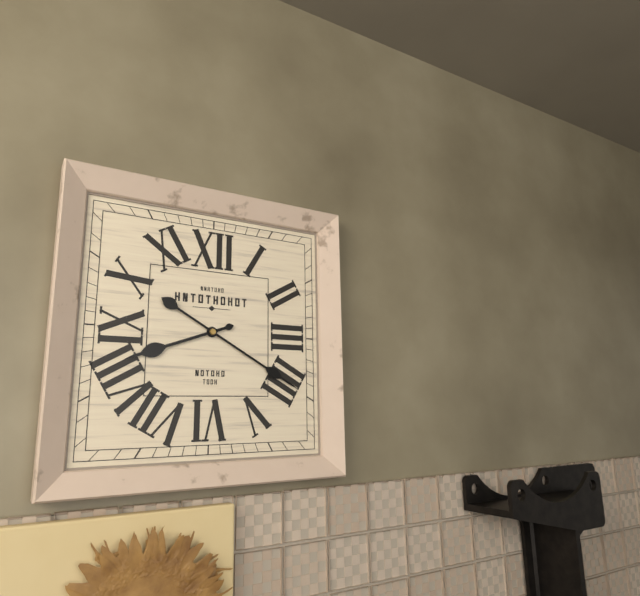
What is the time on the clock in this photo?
8:20
